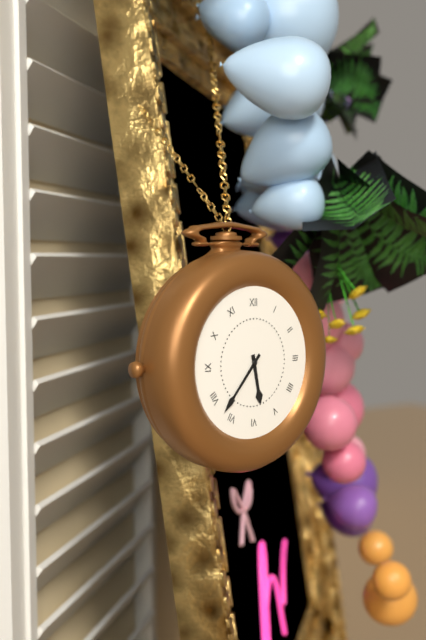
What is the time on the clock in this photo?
5:37
